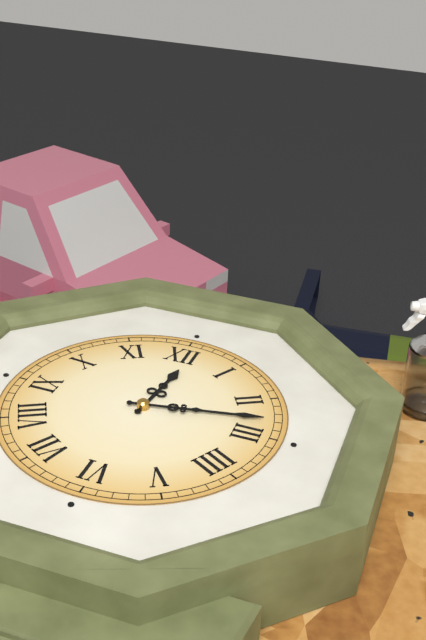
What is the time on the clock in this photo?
12:13
